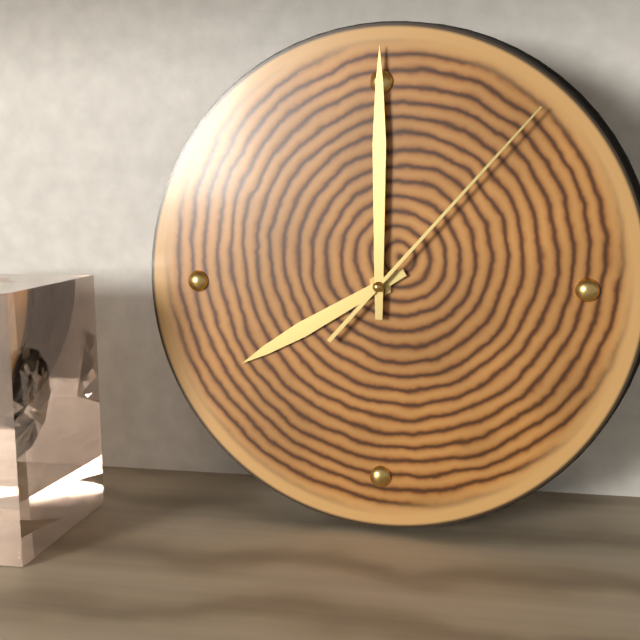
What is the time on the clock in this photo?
8:00:07
